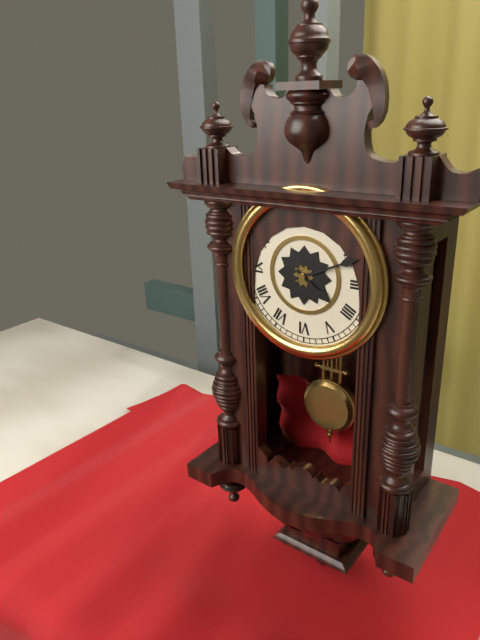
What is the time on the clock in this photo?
4:11
